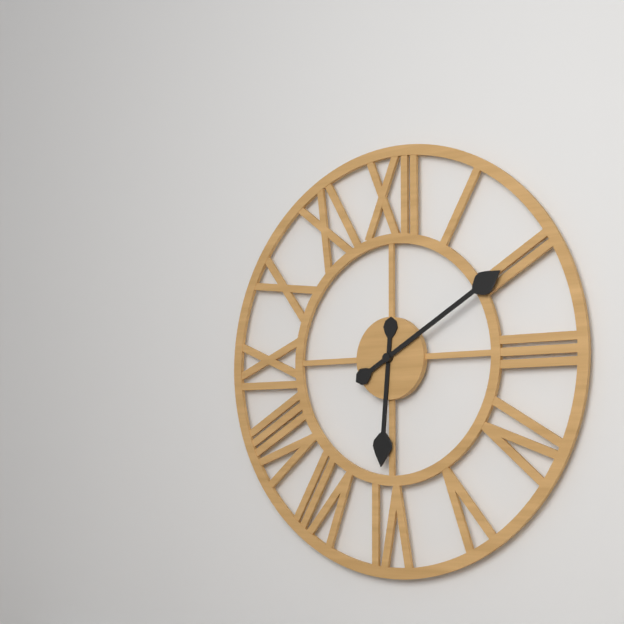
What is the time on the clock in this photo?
6:10
